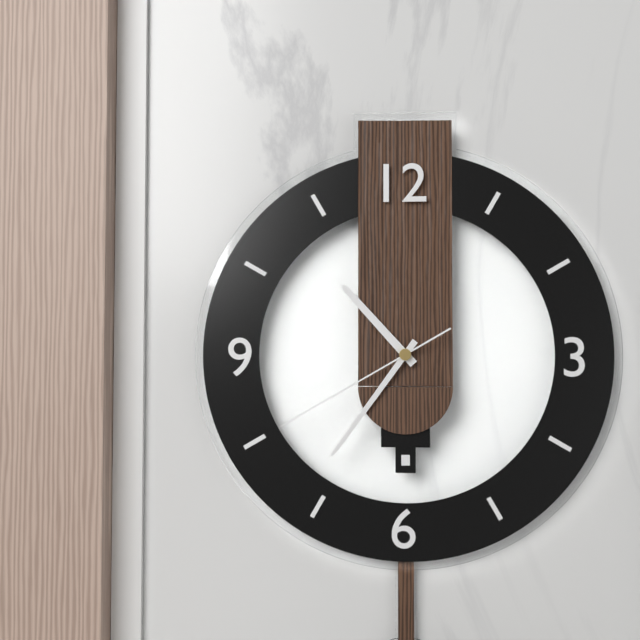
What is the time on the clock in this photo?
10:36:40
